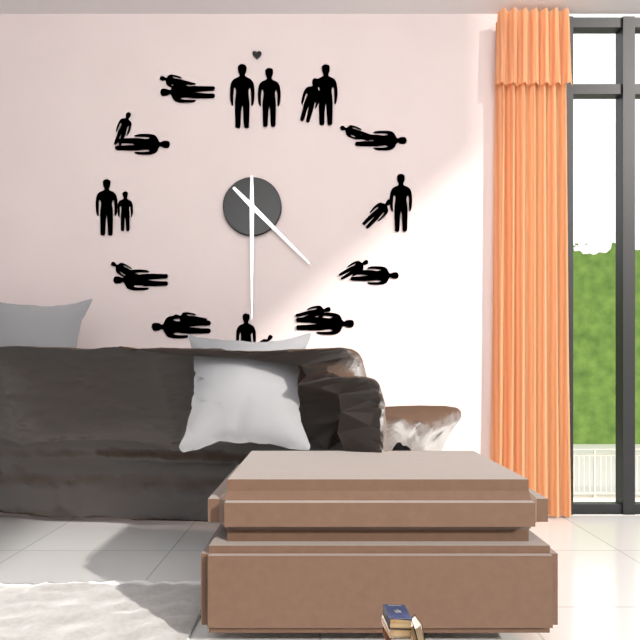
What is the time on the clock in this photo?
4:30
